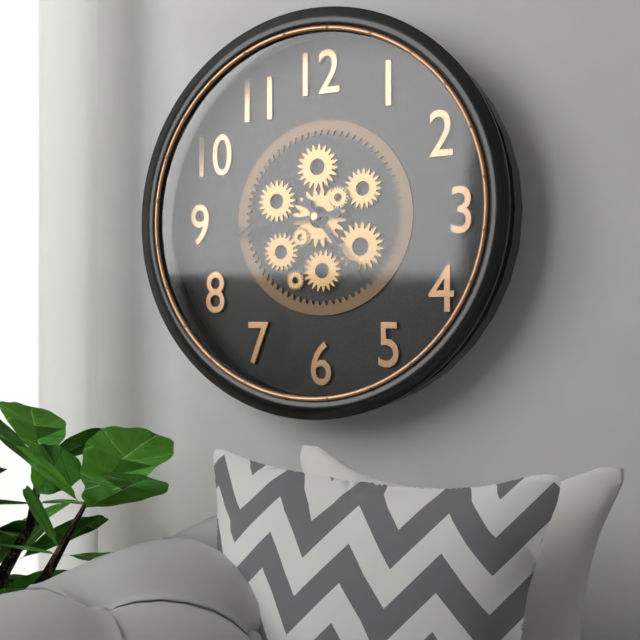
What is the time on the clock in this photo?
4:44
